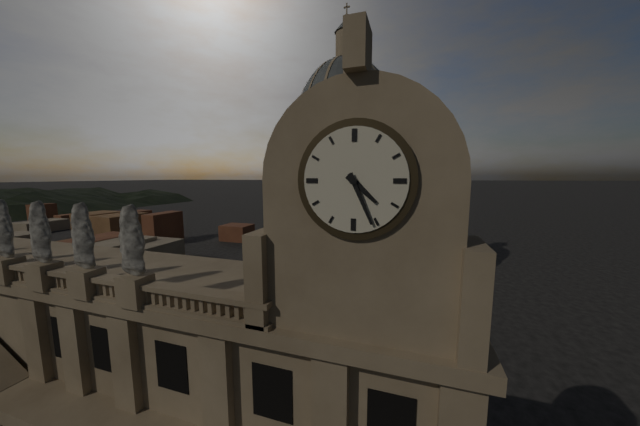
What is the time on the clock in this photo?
4:26
